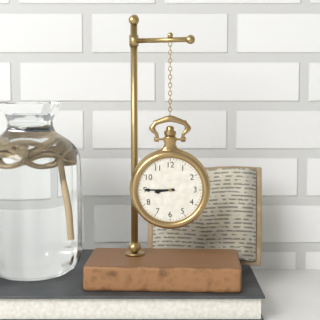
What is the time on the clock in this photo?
8:45
